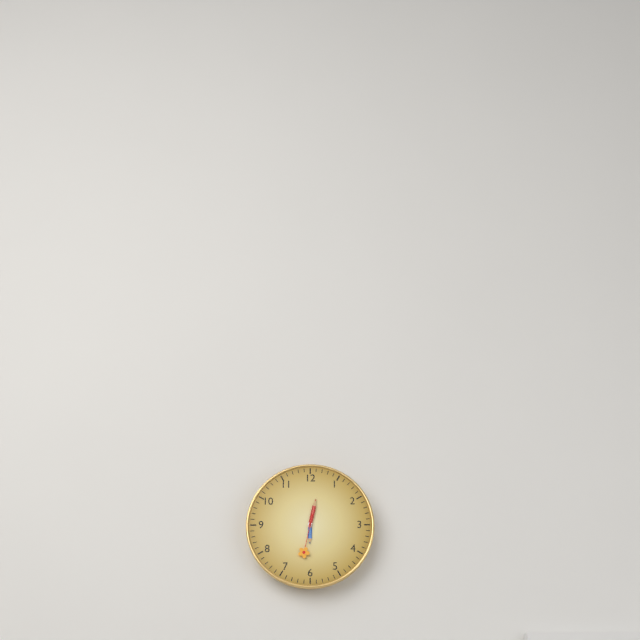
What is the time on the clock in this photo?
6:02
